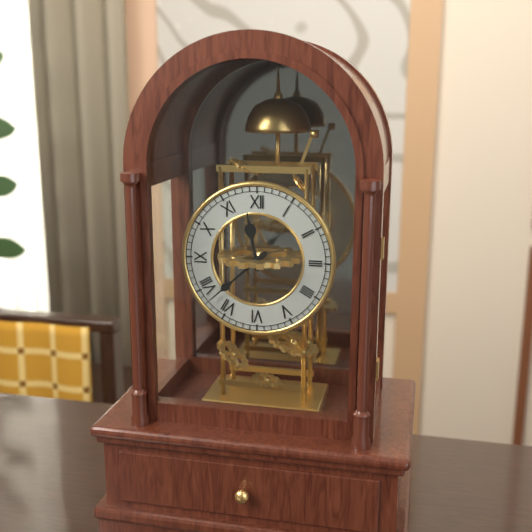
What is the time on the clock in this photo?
11:38
